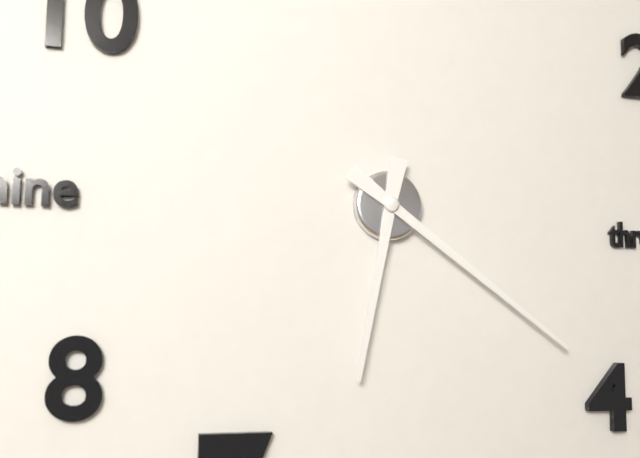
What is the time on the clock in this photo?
6:21
